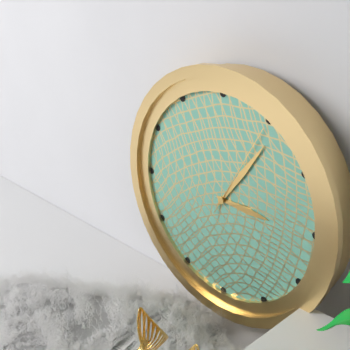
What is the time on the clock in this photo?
3:06:05
